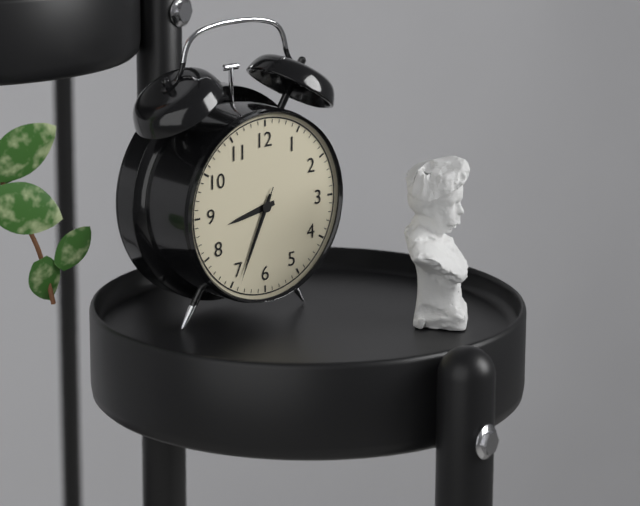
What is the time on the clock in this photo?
8:34:34
